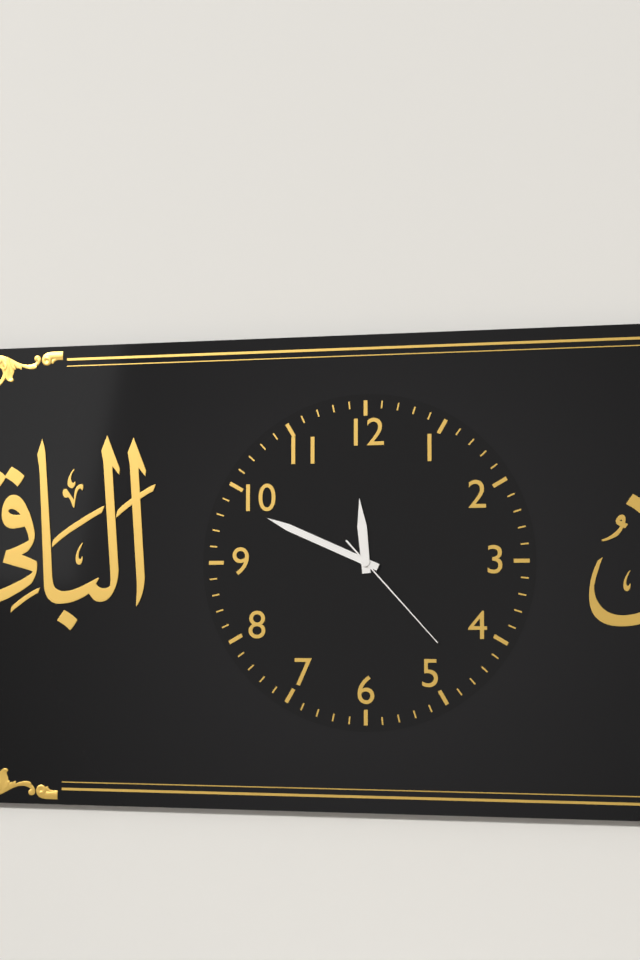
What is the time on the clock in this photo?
11:49:23
